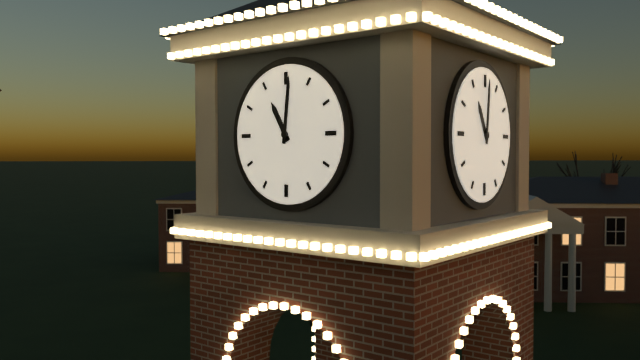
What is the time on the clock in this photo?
11:01
